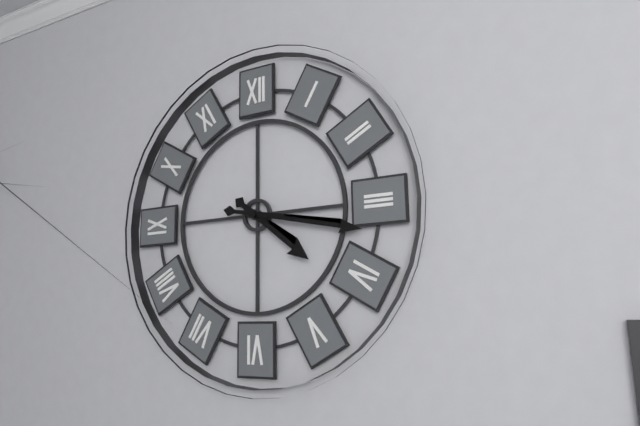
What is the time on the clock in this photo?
4:17
